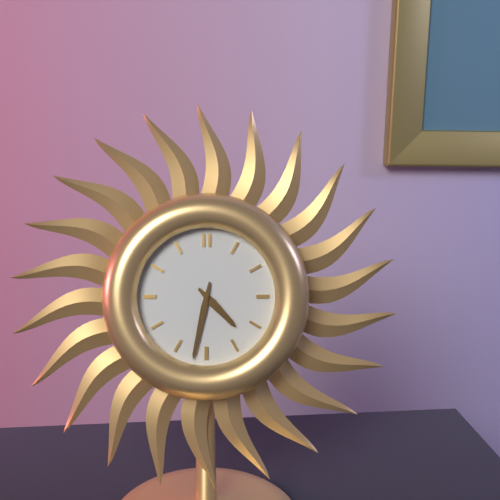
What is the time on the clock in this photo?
4:32
